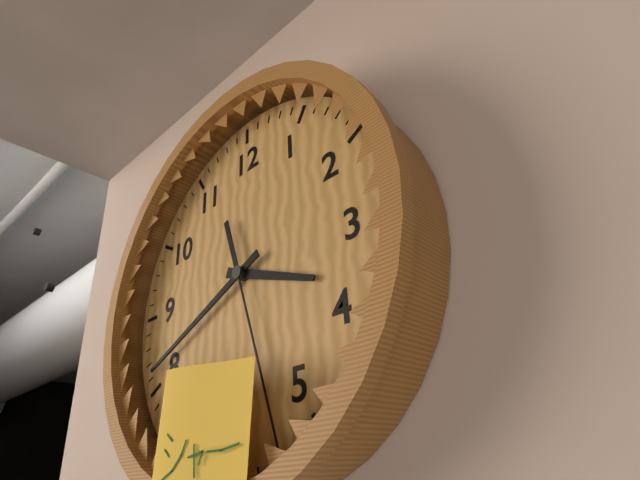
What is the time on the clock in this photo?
3:41:27
